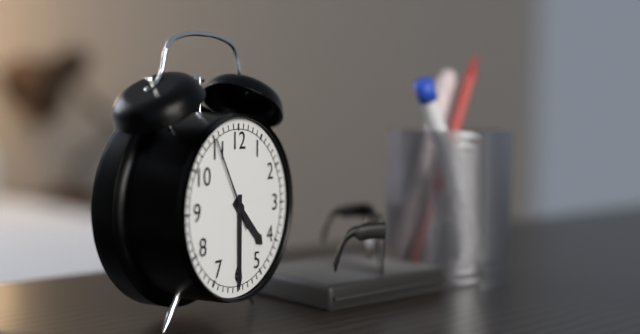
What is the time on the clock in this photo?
4:30:55
